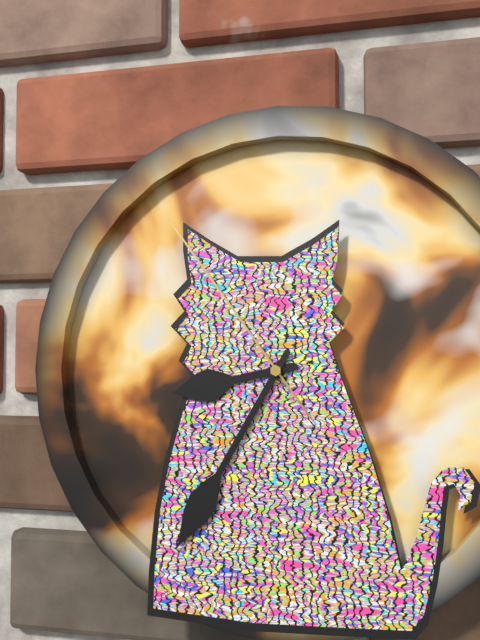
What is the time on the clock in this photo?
8:35:54
